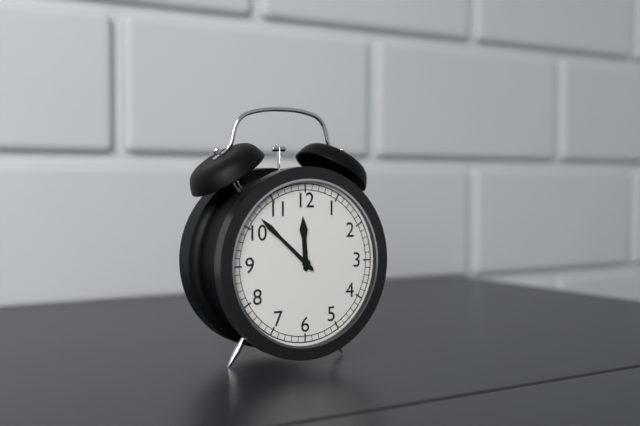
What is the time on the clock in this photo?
11:52
